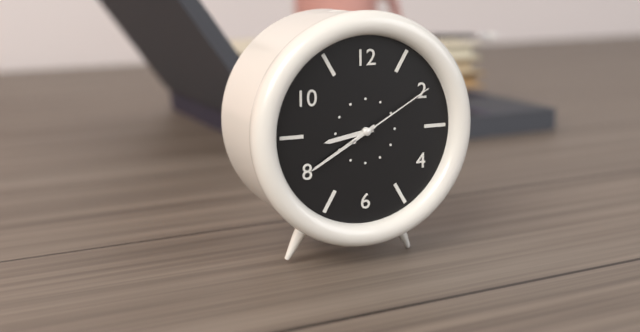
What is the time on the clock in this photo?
8:40:10
